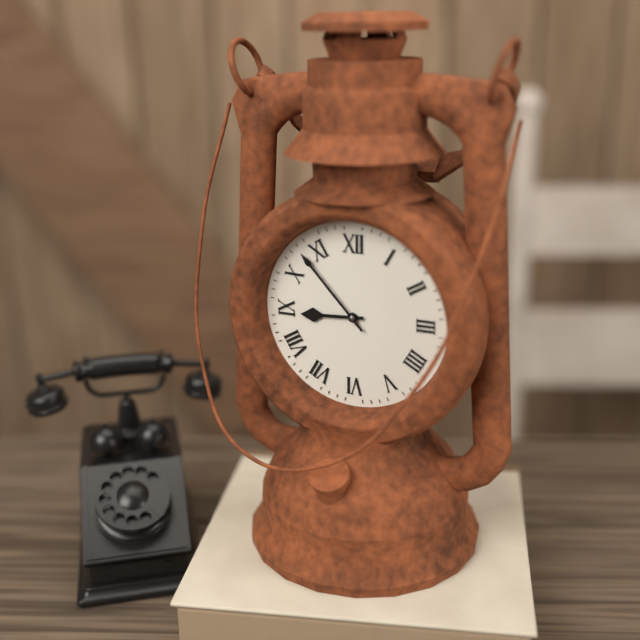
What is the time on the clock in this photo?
8:53
